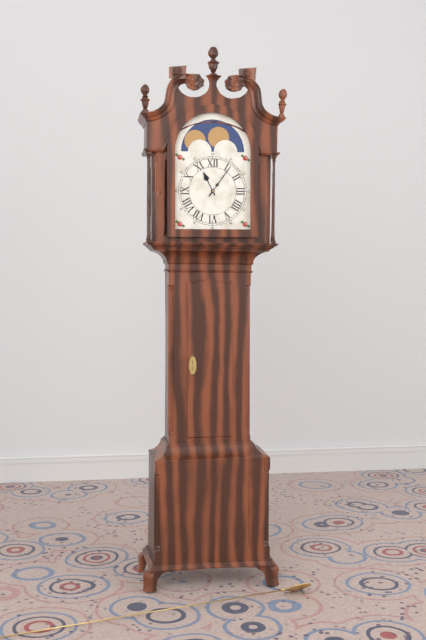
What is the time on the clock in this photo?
11:06
